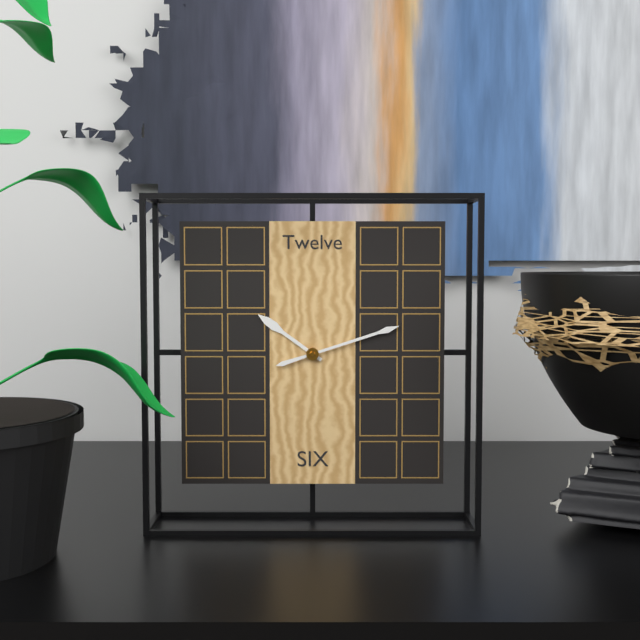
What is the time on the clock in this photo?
10:12
